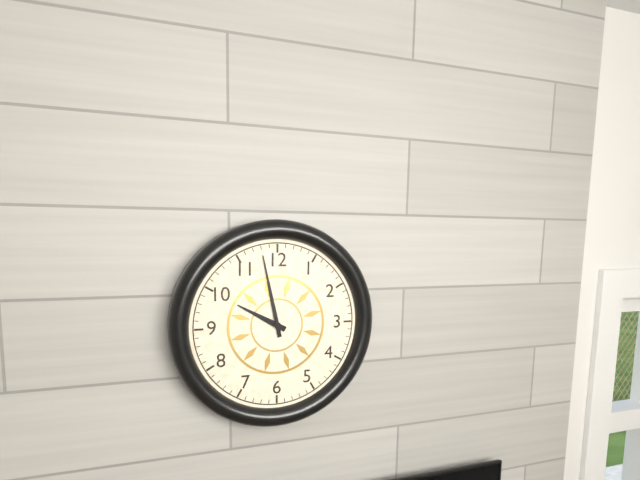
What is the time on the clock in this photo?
9:58
